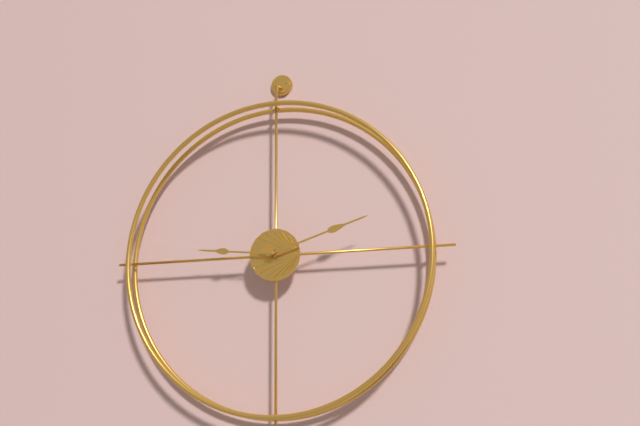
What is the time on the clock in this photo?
9:12
